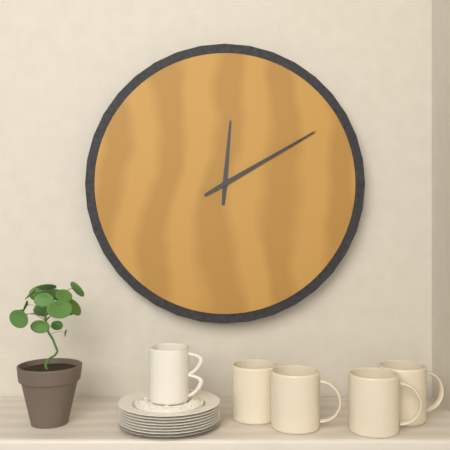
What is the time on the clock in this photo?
12:10
